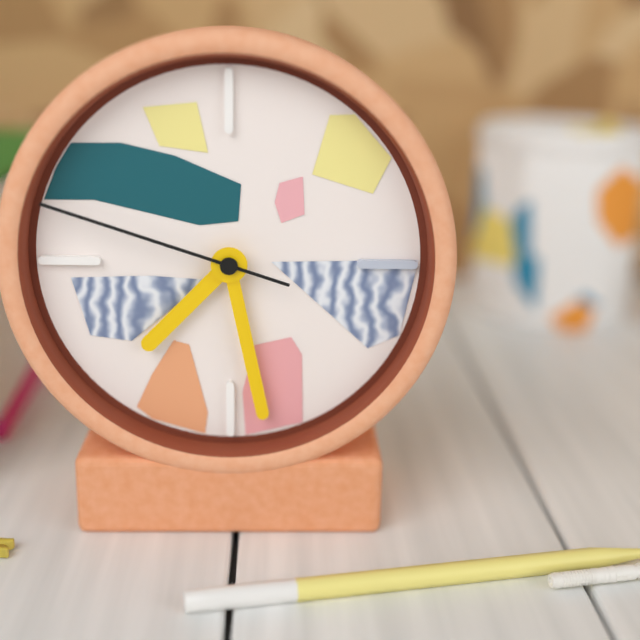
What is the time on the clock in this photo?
7:28:48
